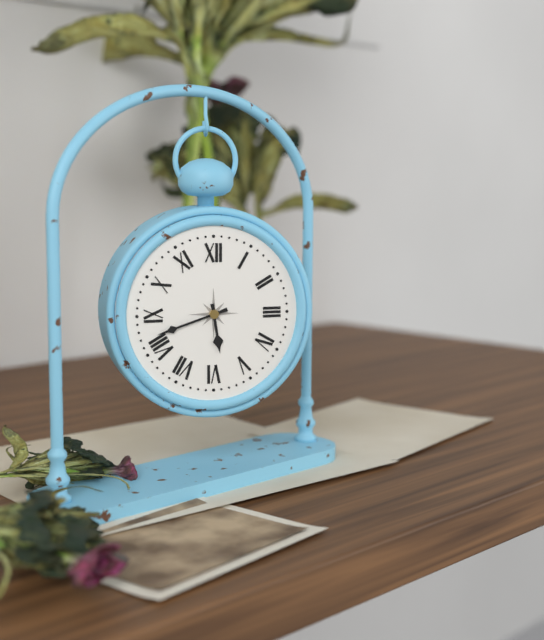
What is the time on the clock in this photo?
5:42
